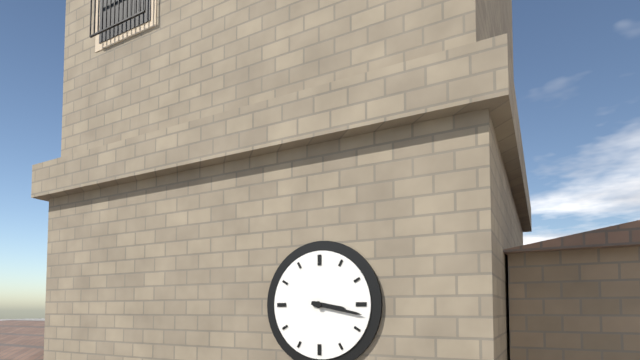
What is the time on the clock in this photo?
3:17
